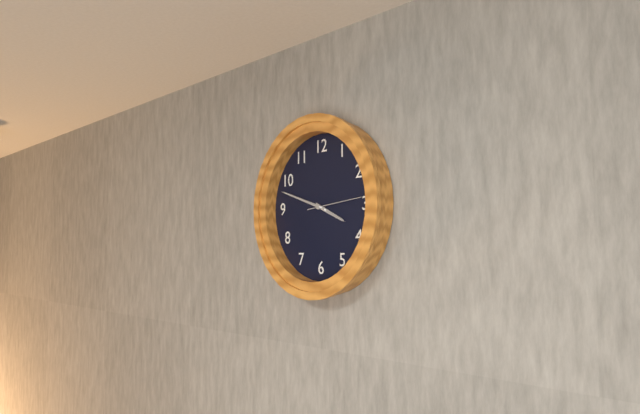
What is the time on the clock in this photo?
3:48:14
